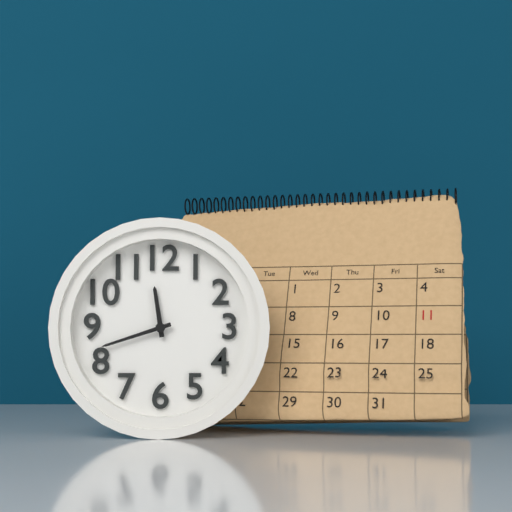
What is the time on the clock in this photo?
11:42
